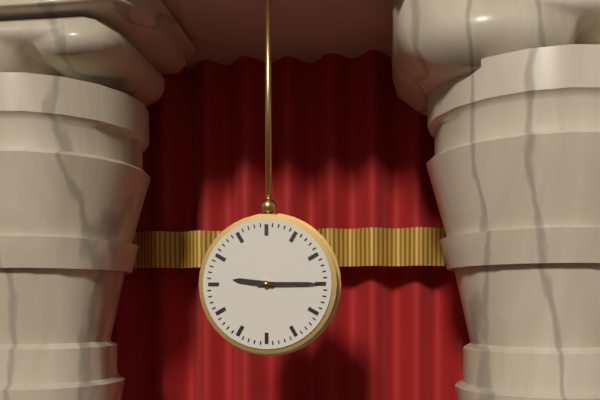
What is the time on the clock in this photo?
9:15
